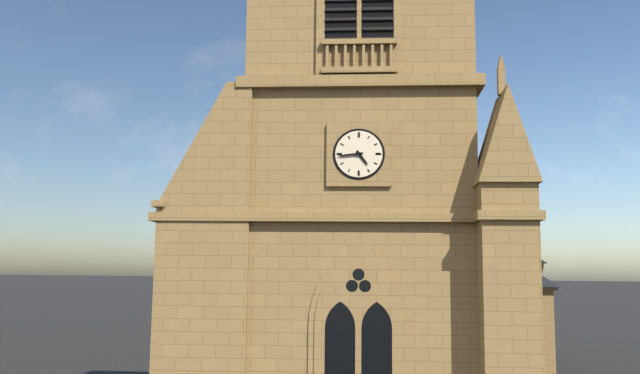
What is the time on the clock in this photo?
4:44
